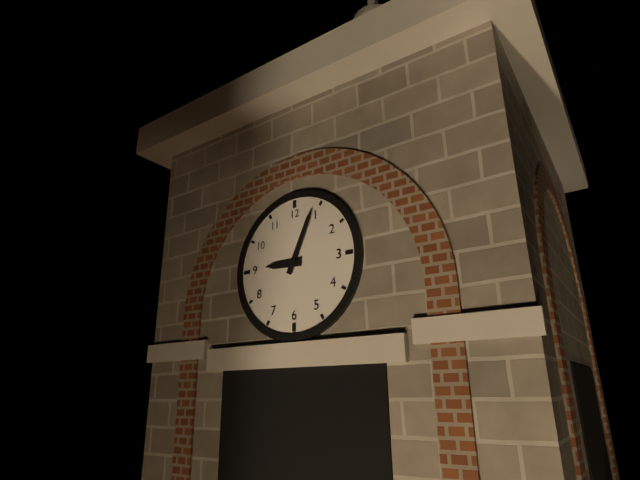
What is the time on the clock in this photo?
9:04
